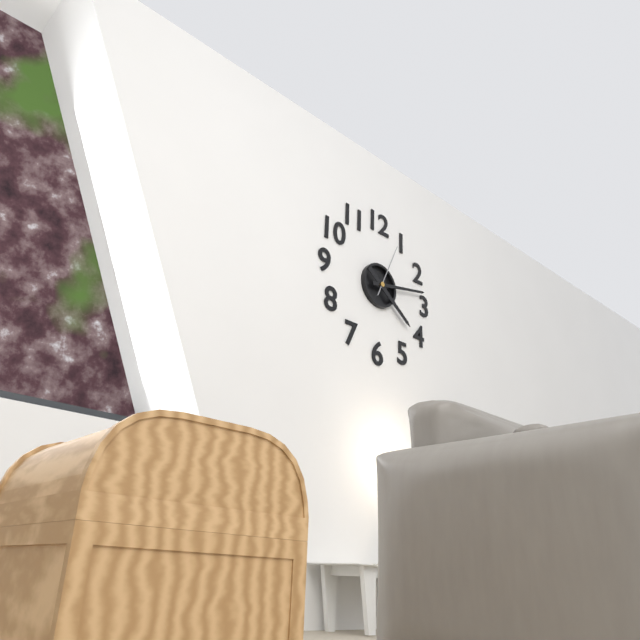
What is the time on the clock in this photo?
4:13:04
